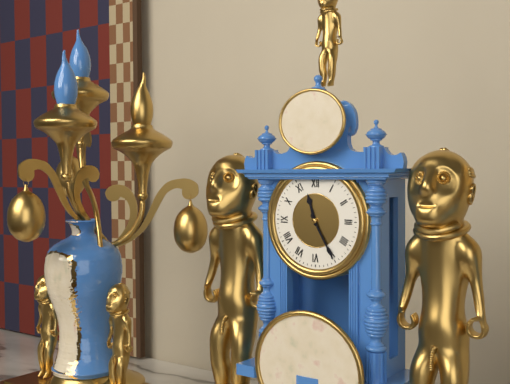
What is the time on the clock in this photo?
11:25
